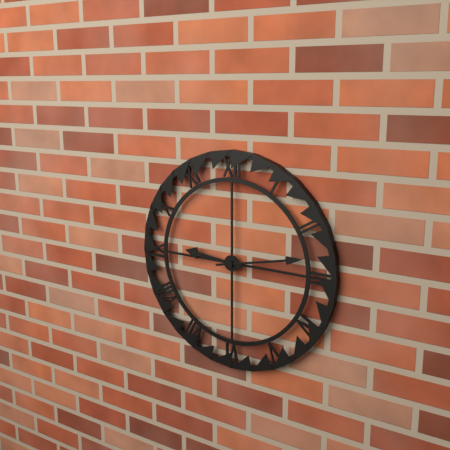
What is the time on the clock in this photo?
9:13
